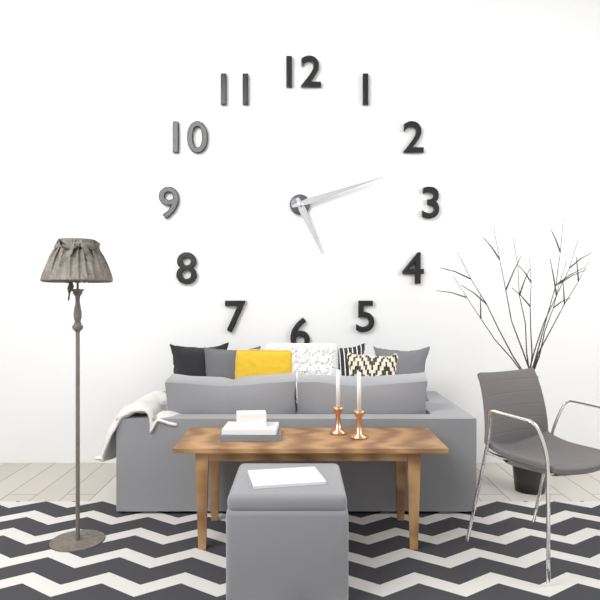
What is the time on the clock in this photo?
5:12
